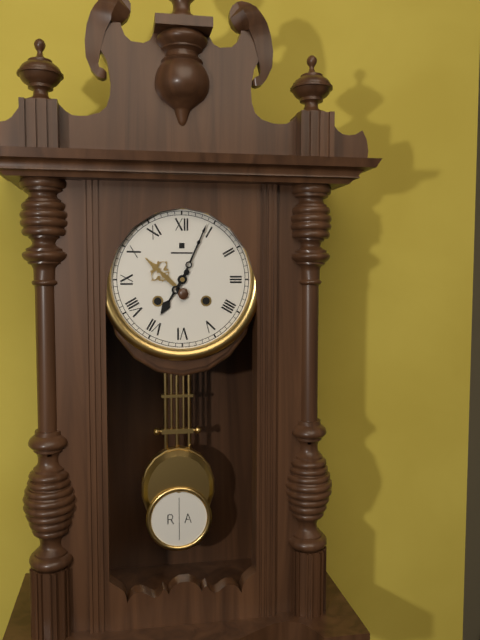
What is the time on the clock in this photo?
7:04
